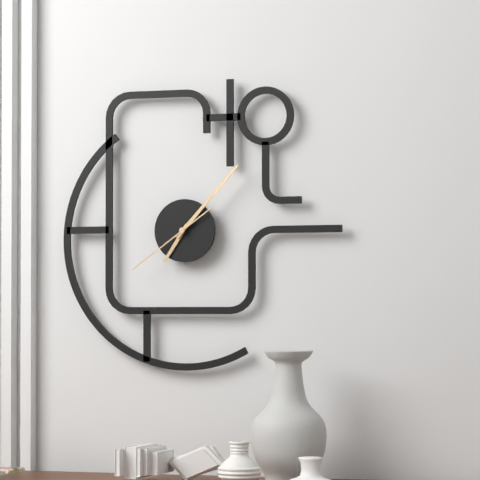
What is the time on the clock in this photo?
7:07:39
